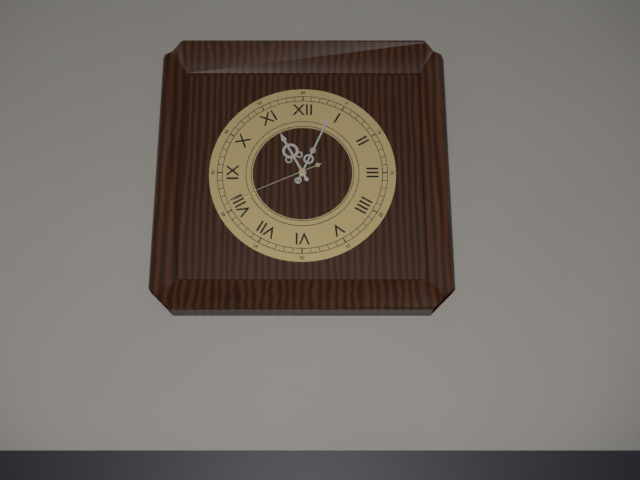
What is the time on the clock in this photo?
11:04:41
